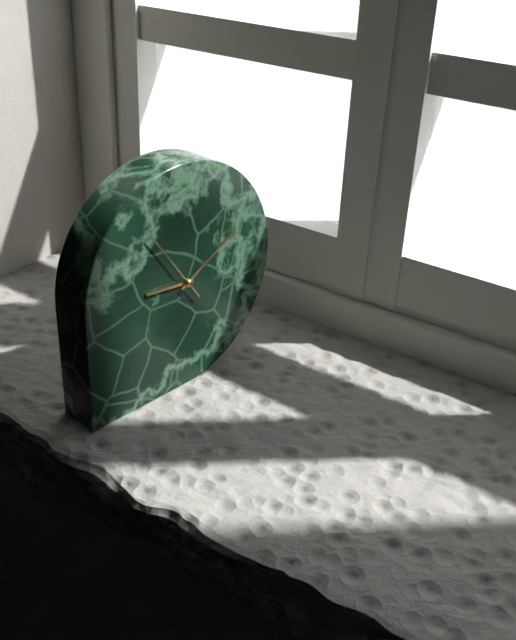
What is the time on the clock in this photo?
9:10:54
